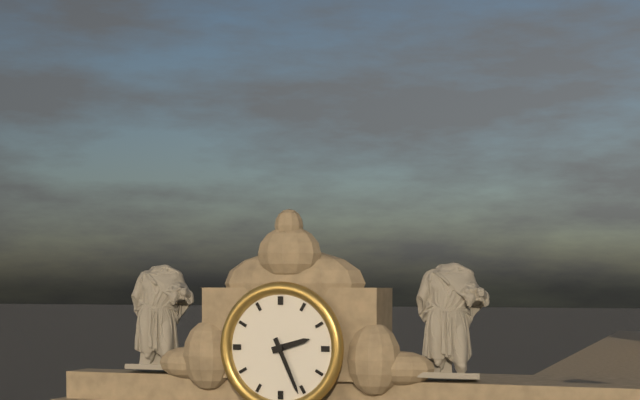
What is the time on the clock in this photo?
2:26
